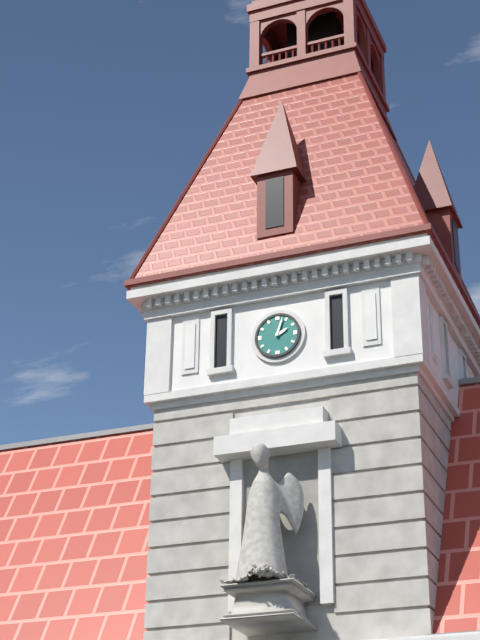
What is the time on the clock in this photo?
2:03
